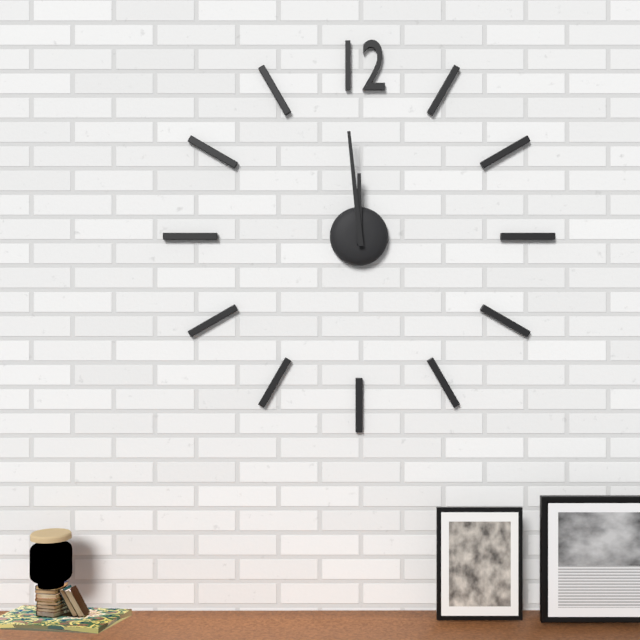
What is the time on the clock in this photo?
11:59
